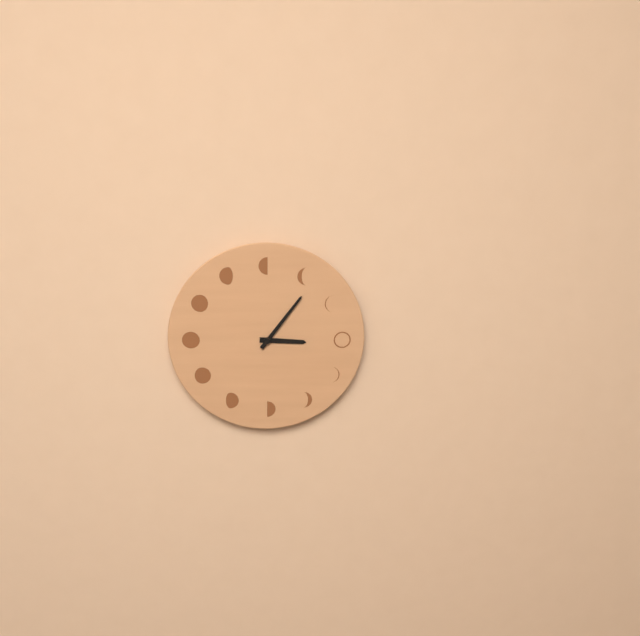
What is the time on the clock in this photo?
3:06
